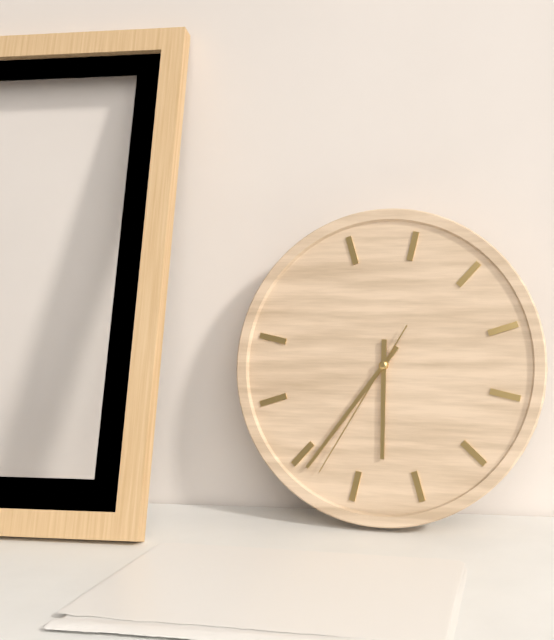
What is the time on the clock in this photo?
5:34:33
